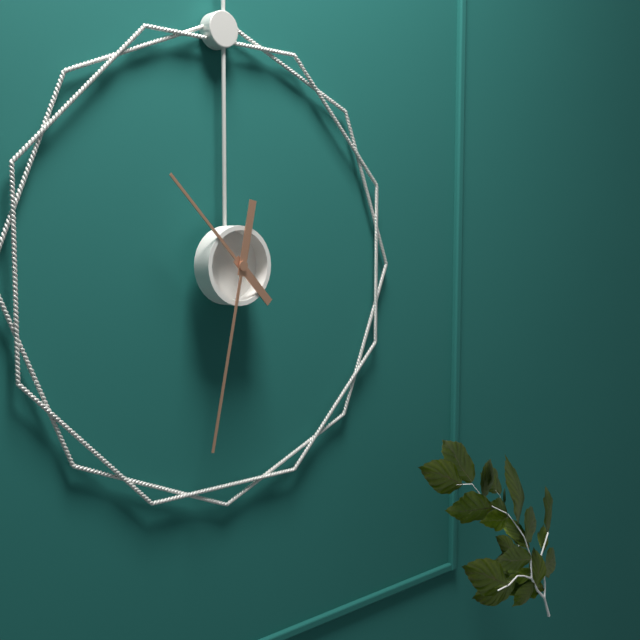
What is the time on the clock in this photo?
10:32
